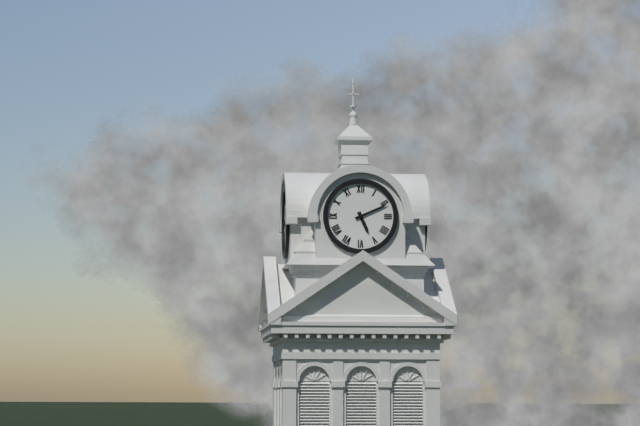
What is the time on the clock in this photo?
5:11
